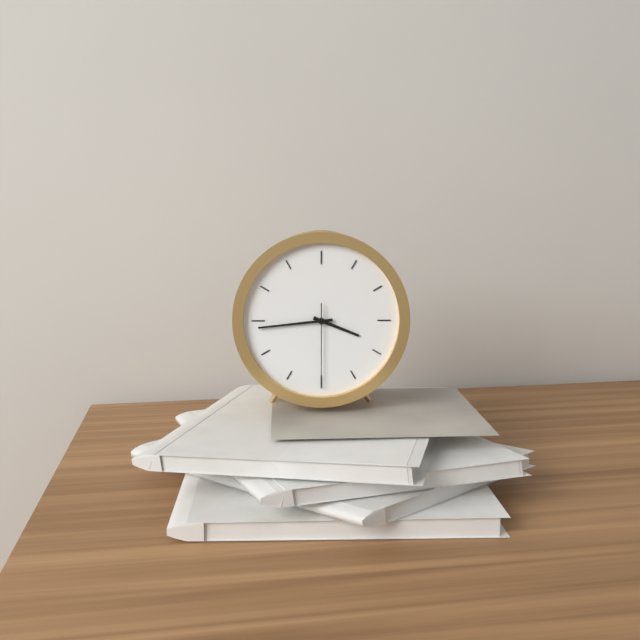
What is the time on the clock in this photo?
3:44:30
